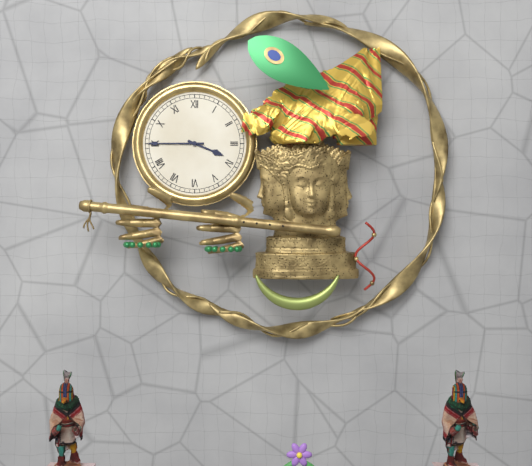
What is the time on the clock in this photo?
3:45
